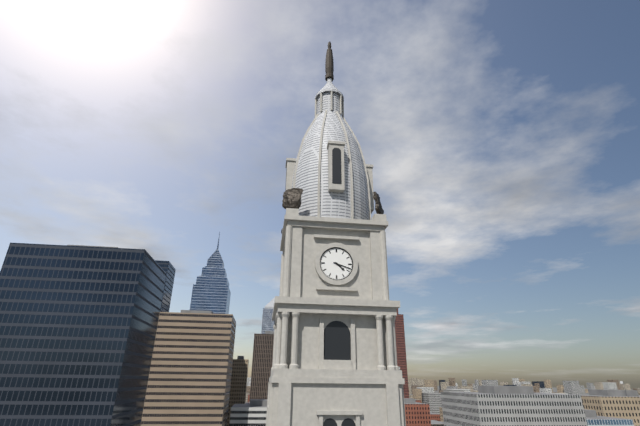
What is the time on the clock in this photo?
4:18
